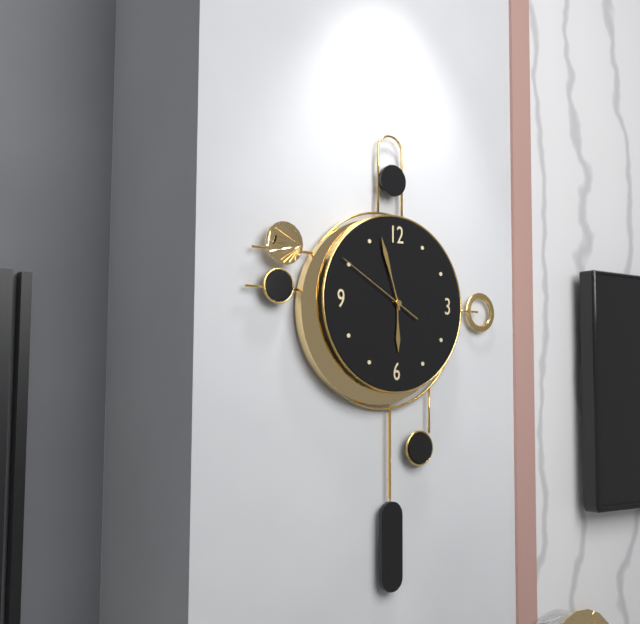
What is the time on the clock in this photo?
5:57:50
